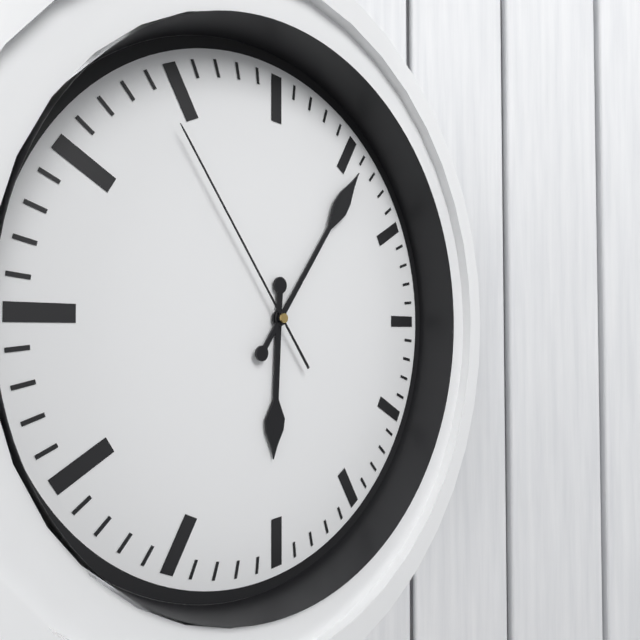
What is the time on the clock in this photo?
6:06:54
